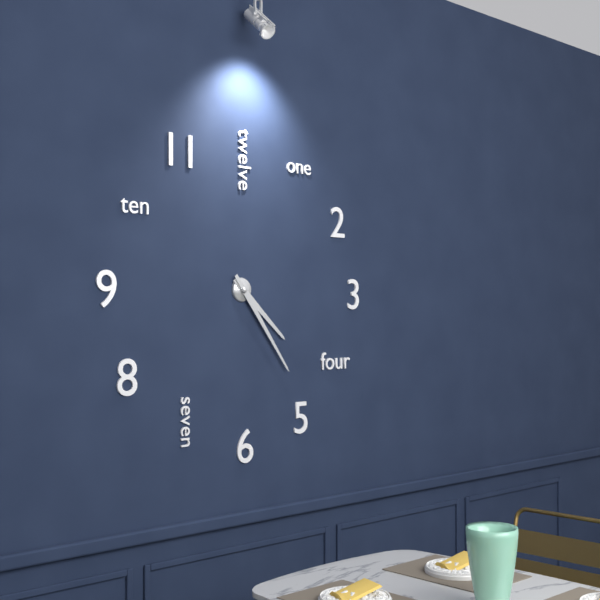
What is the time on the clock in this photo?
4:24
